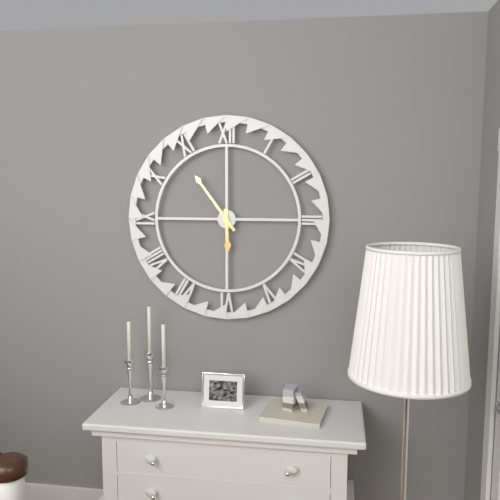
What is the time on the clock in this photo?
5:54
